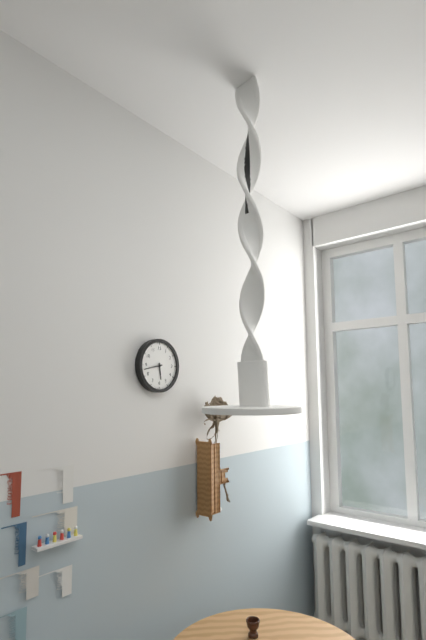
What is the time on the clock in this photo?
5:43
